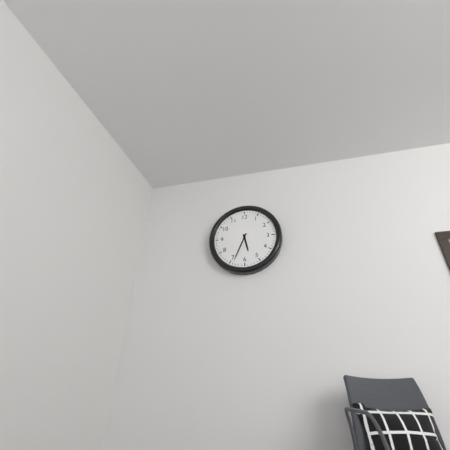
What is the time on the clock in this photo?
5:34
